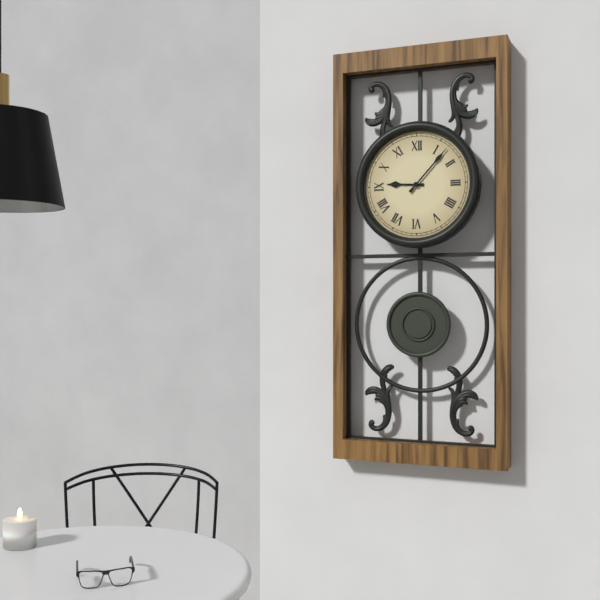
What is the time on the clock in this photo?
9:07
